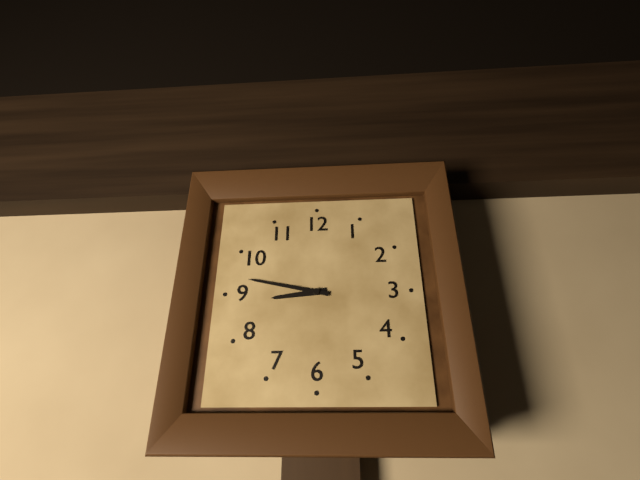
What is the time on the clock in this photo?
8:47
